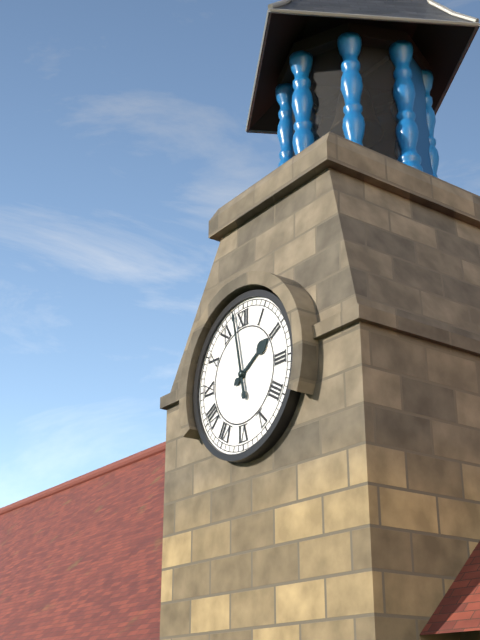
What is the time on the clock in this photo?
1:58
